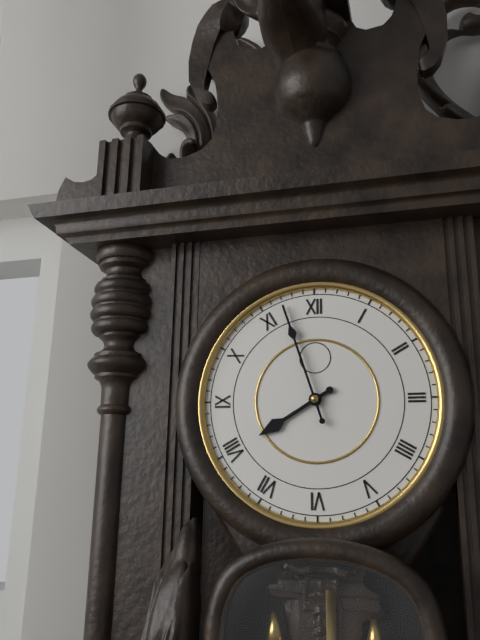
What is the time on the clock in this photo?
7:57
